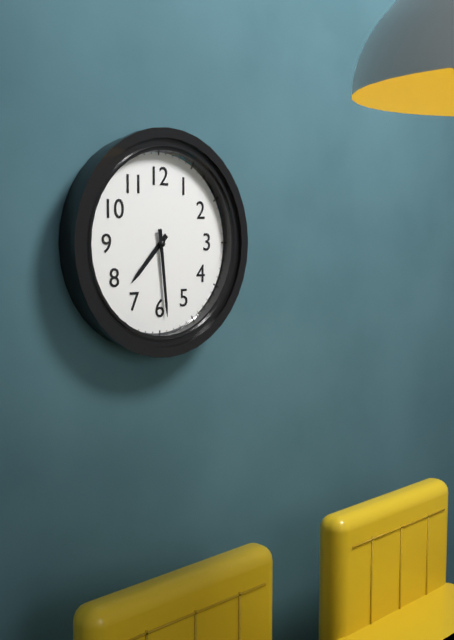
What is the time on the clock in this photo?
7:29
